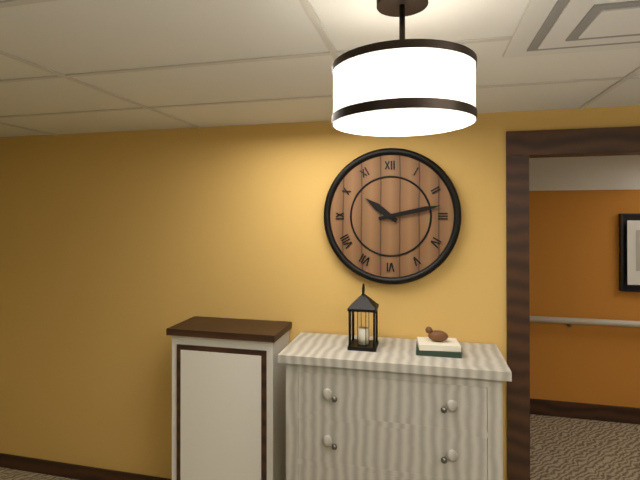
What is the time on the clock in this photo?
10:13
